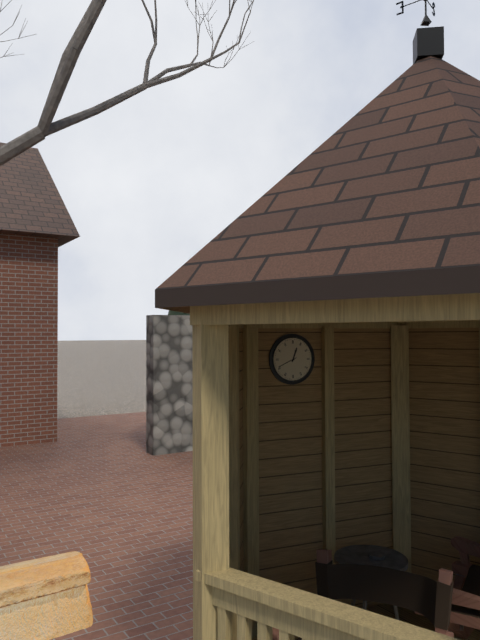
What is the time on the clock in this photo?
12:41
